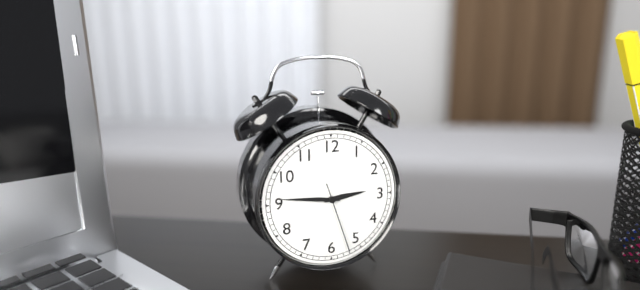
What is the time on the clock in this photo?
2:46:27
